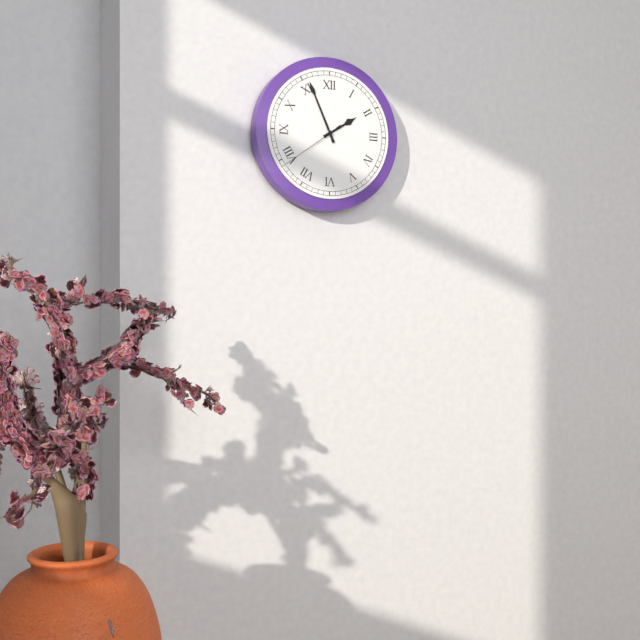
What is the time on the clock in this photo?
1:56:39
